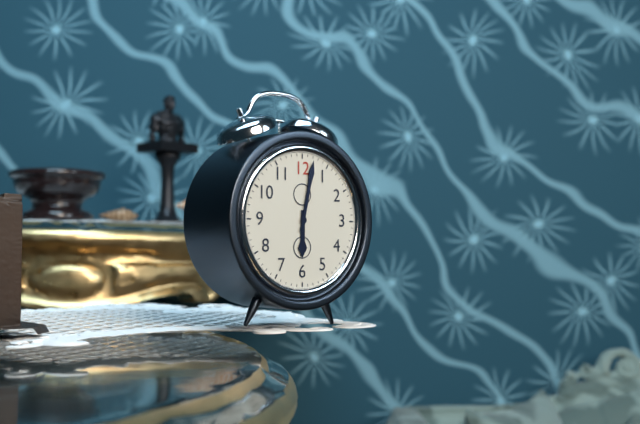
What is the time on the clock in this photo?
6:02
